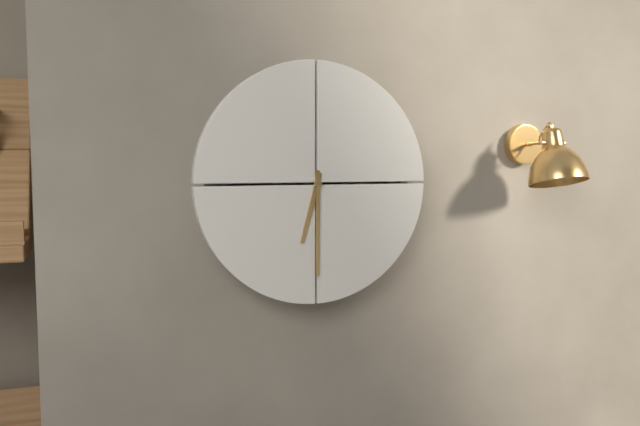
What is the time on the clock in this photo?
6:30
